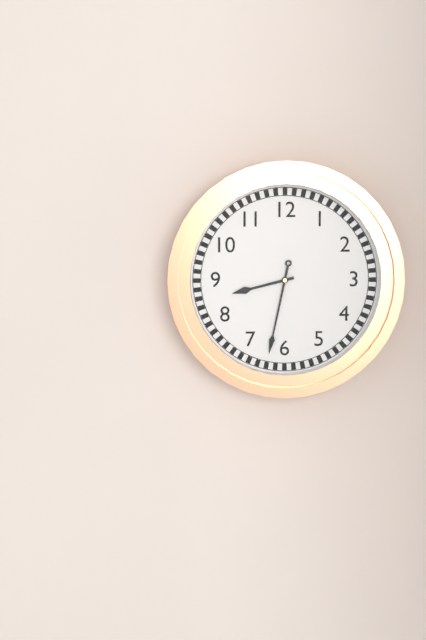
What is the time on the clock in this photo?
8:32
